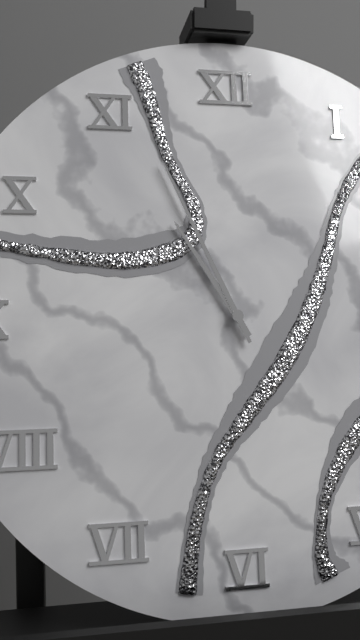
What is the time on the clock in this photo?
10:56
